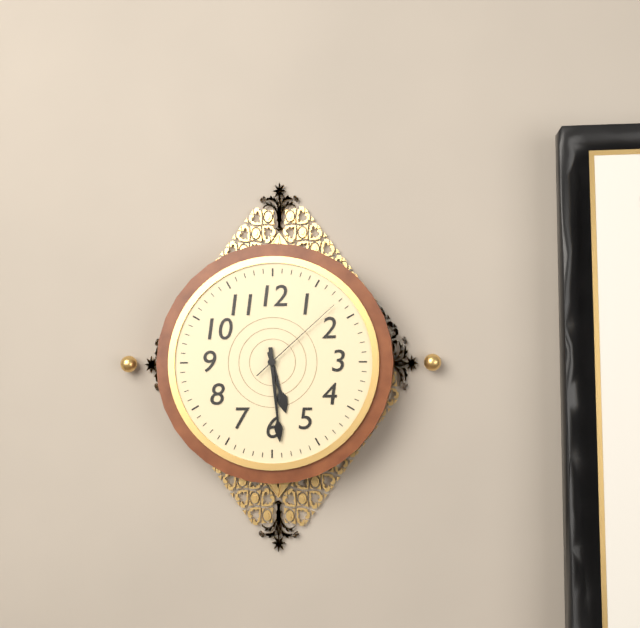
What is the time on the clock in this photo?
5:29:08
